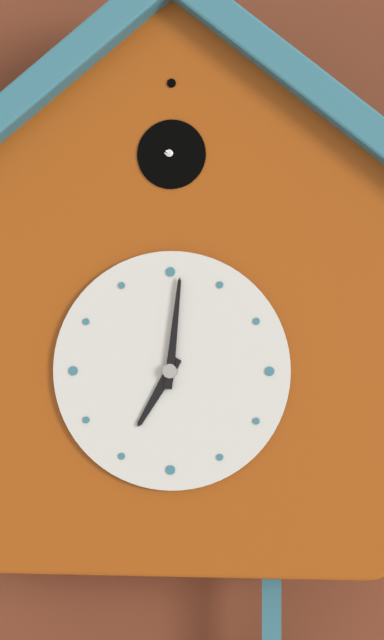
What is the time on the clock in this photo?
7:01
